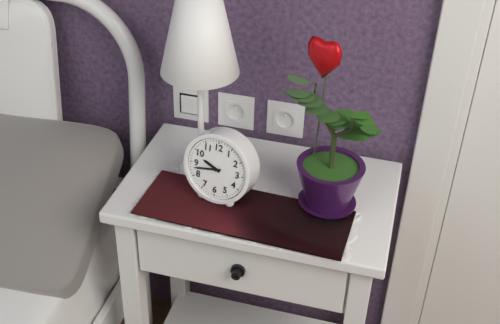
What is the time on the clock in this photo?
9:43
